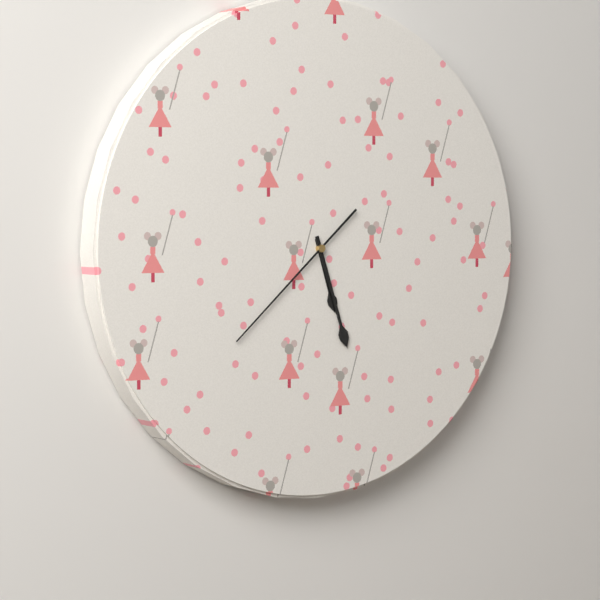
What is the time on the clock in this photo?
5:27:38
